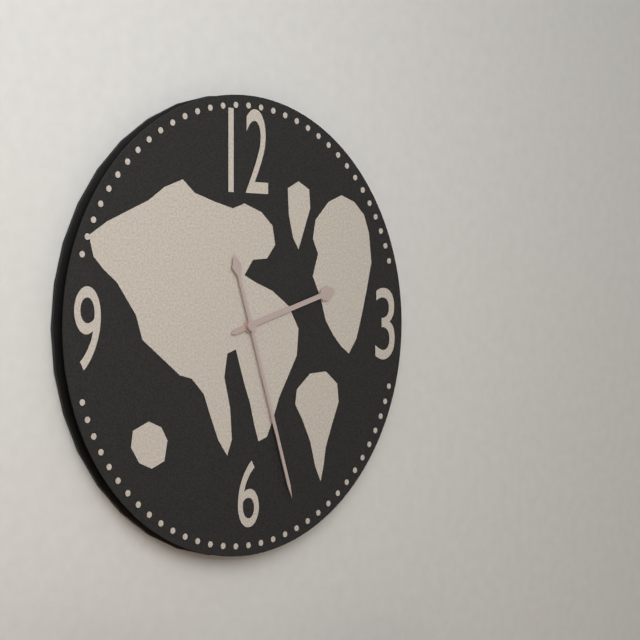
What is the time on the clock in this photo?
2:27
